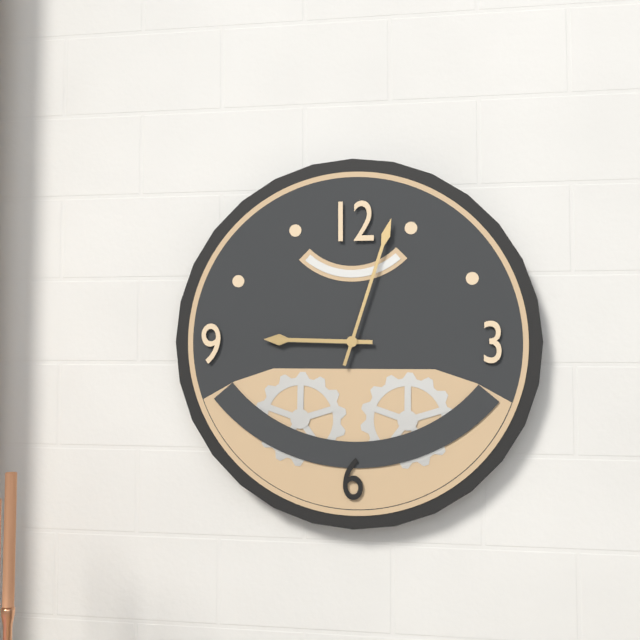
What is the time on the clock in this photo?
9:03
